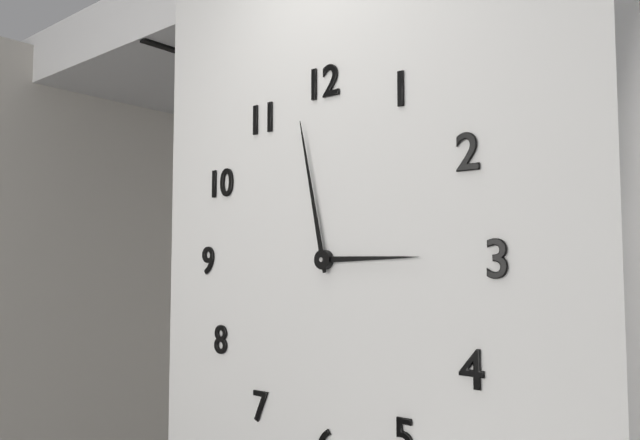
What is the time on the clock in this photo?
2:58
